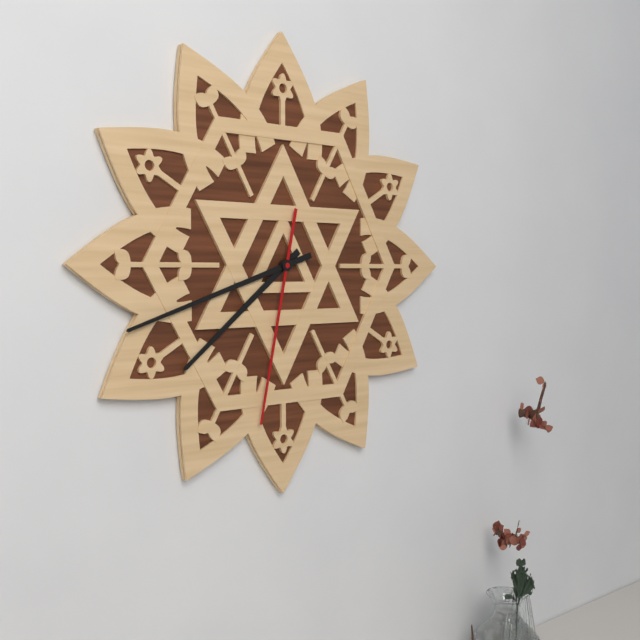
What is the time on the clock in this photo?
7:42:32
